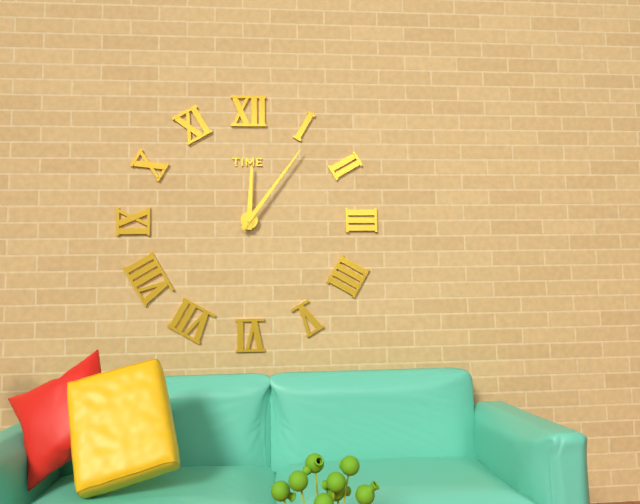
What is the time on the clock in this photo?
12:06
